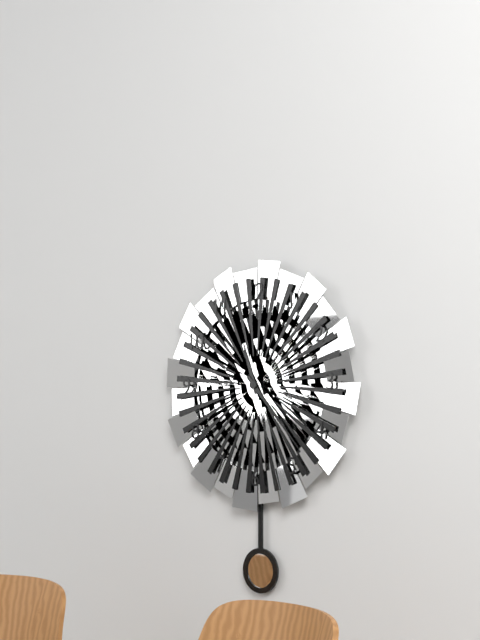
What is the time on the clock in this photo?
11:23
